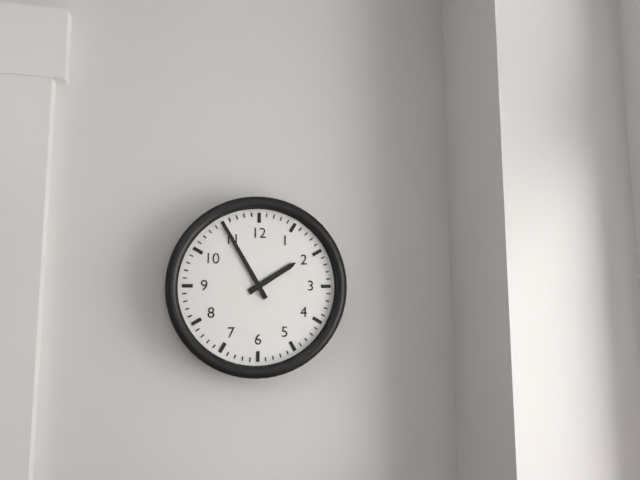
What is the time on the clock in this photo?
1:55
